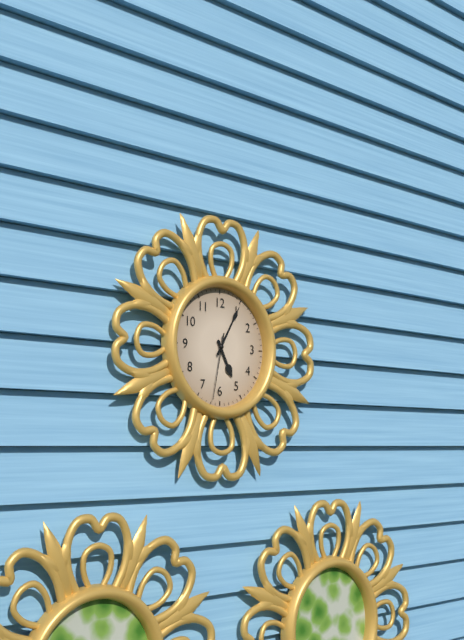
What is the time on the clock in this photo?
5:05:32
